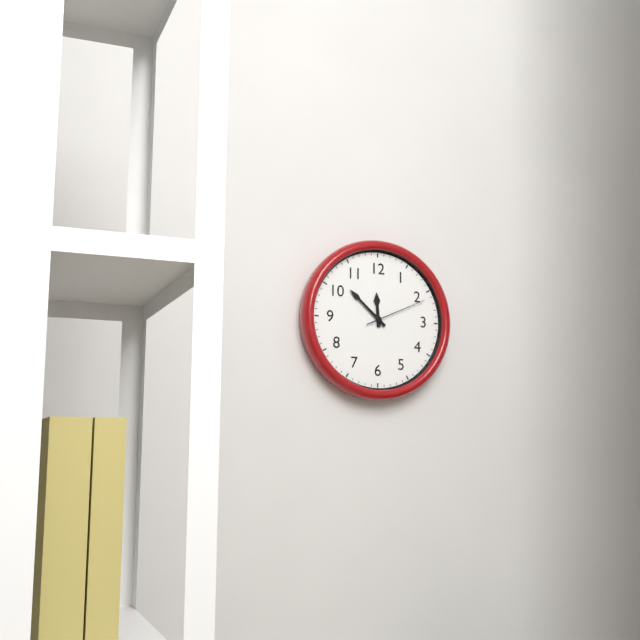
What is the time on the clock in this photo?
11:52:11
